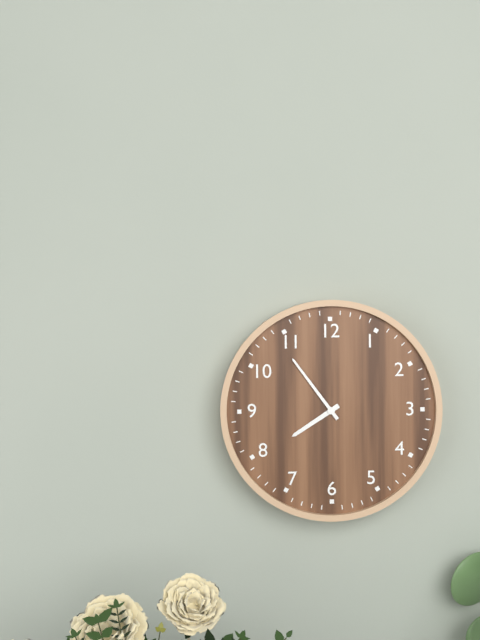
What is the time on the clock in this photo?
7:54
